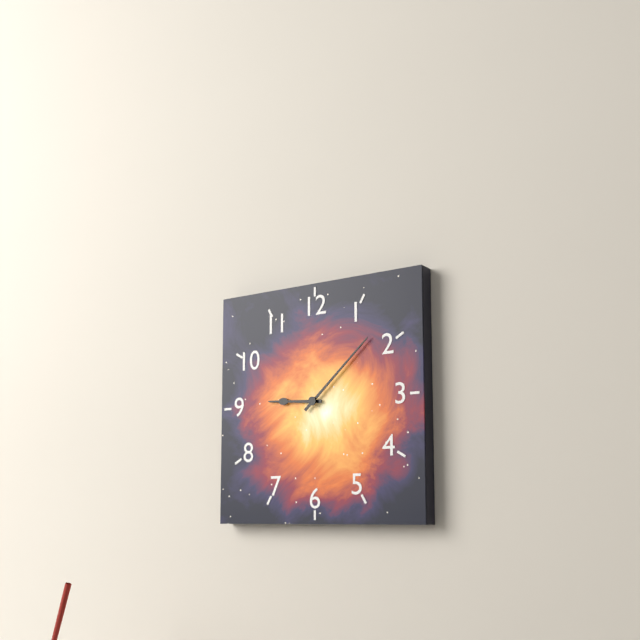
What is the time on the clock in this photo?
9:08
